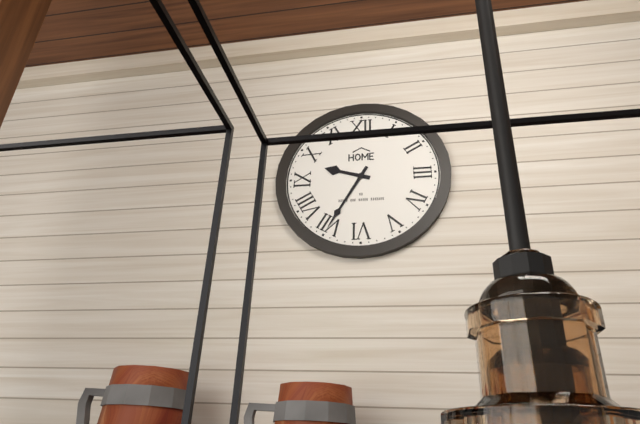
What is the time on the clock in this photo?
9:35
